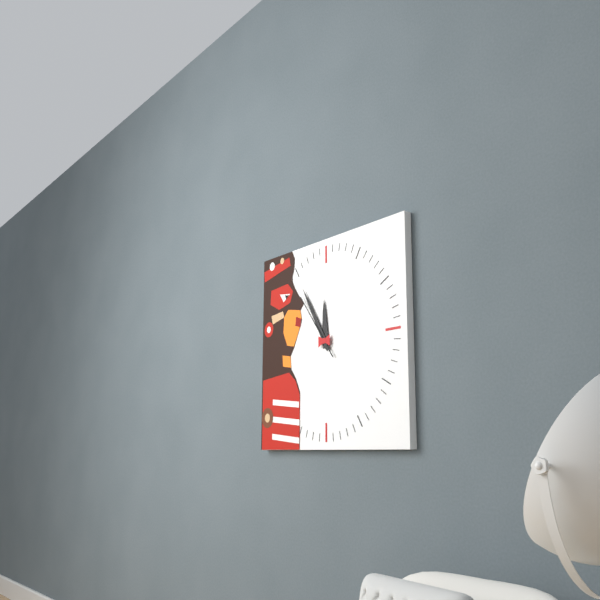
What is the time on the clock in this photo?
11:55:54
